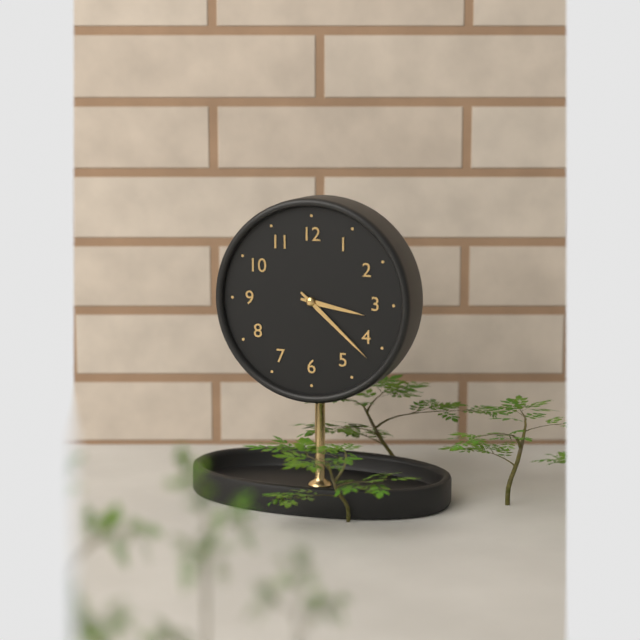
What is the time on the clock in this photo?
3:22
